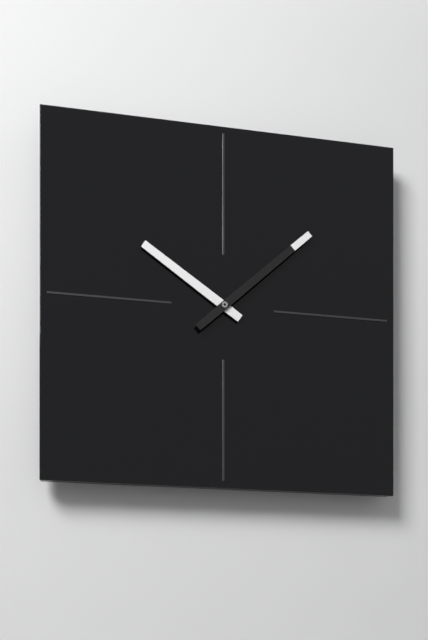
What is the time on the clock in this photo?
10:08
